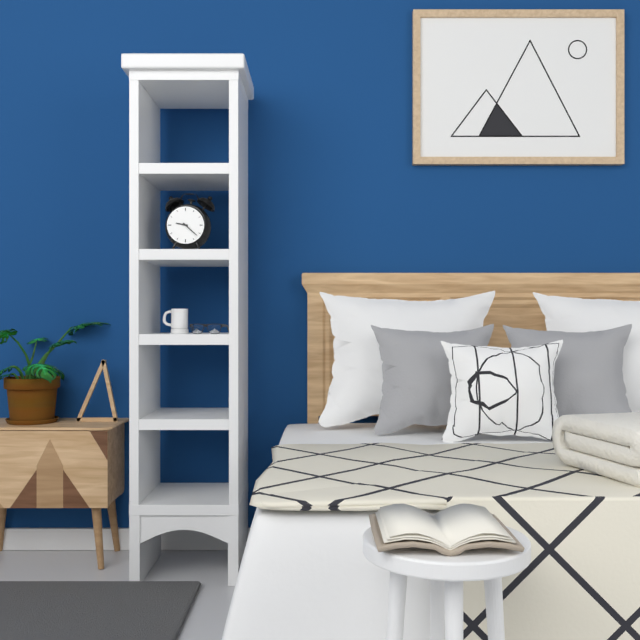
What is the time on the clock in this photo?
9:22
